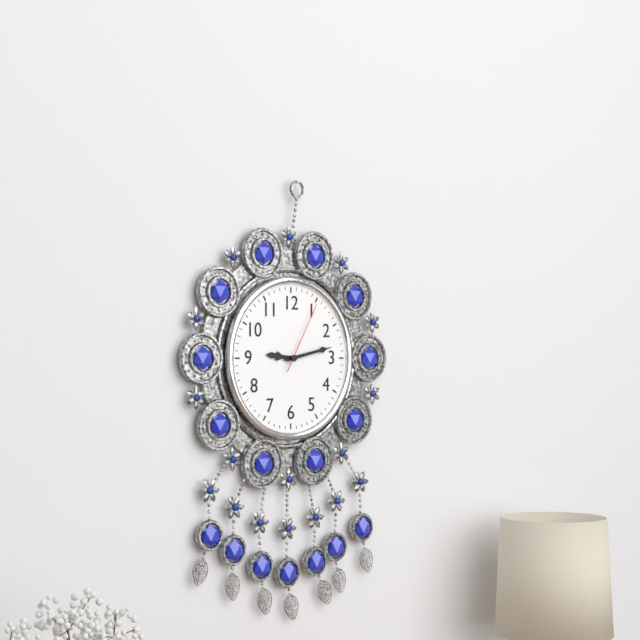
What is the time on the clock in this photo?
9:13:05
